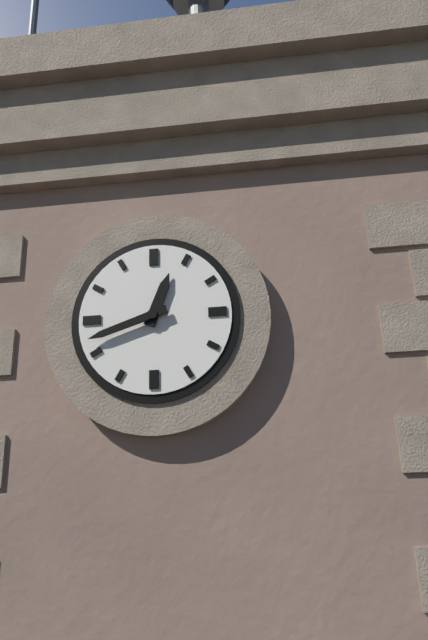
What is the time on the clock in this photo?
12:42
